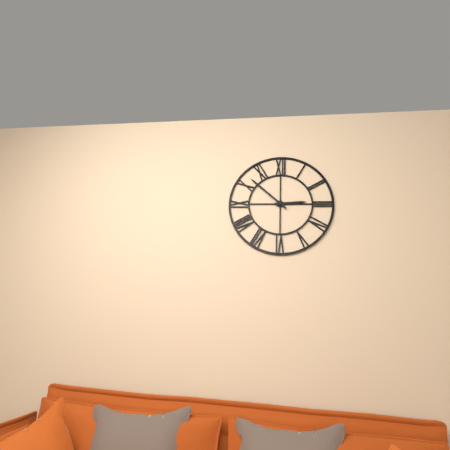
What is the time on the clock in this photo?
2:52
